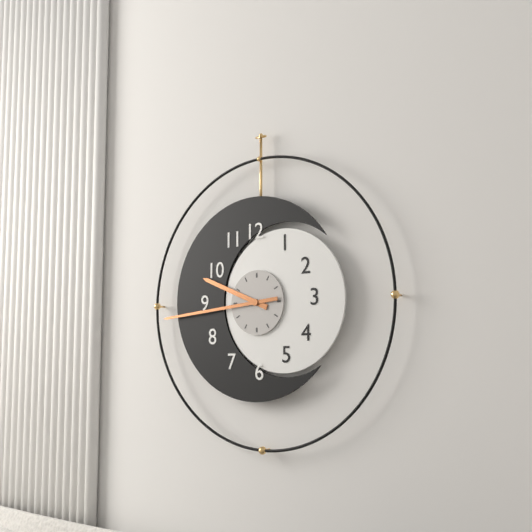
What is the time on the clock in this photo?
9:44
